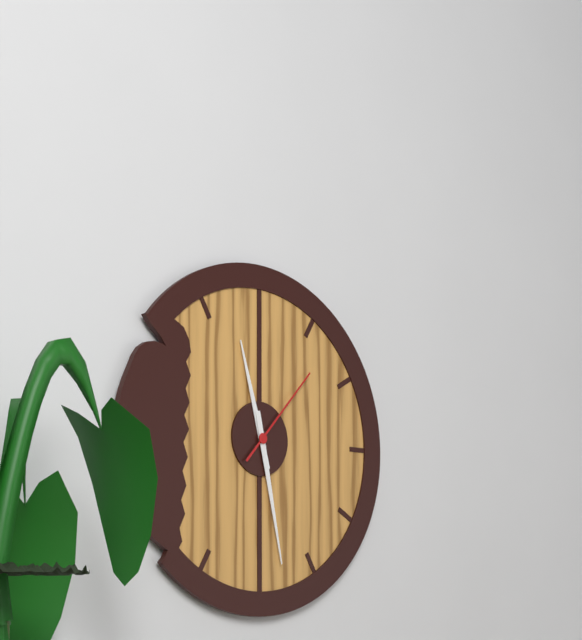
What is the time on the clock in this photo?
11:28:07
